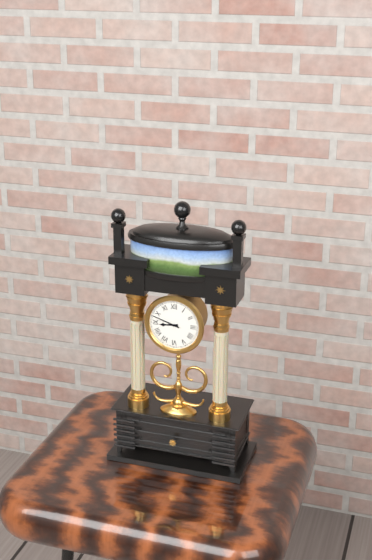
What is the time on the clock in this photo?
8:48
